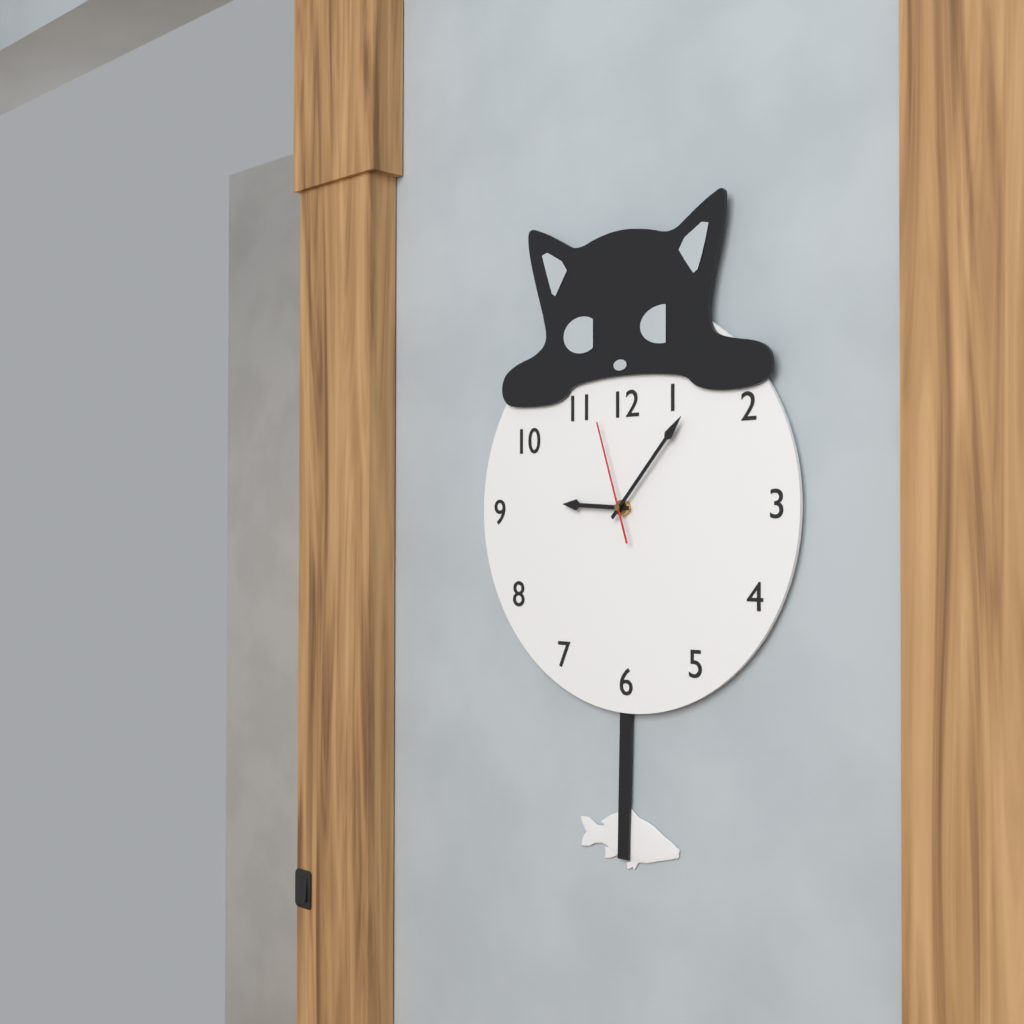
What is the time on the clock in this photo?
9:07:57
